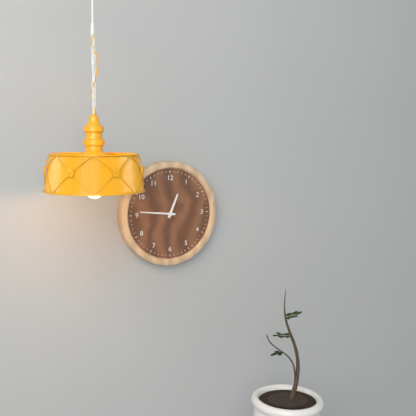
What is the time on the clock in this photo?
12:46
